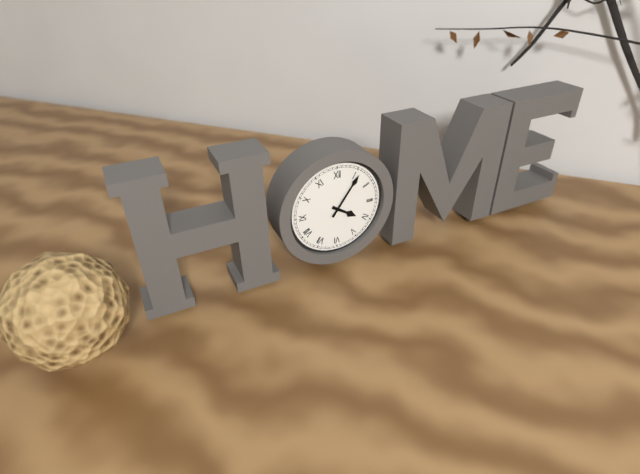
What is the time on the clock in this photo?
4:06
